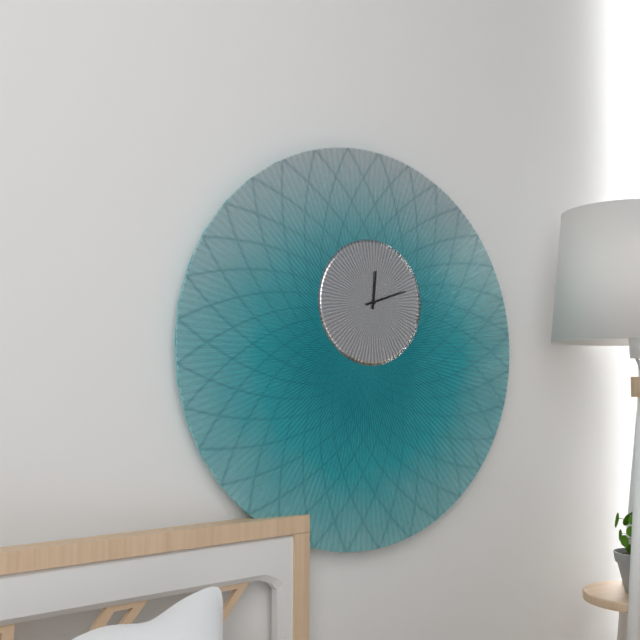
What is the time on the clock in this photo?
12:12
